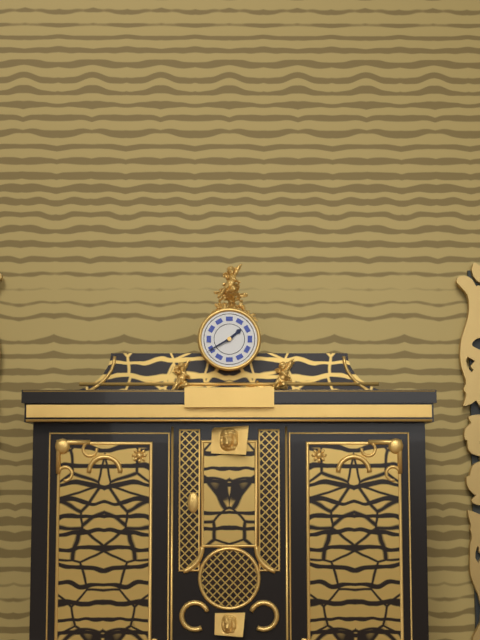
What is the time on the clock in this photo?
1:40
